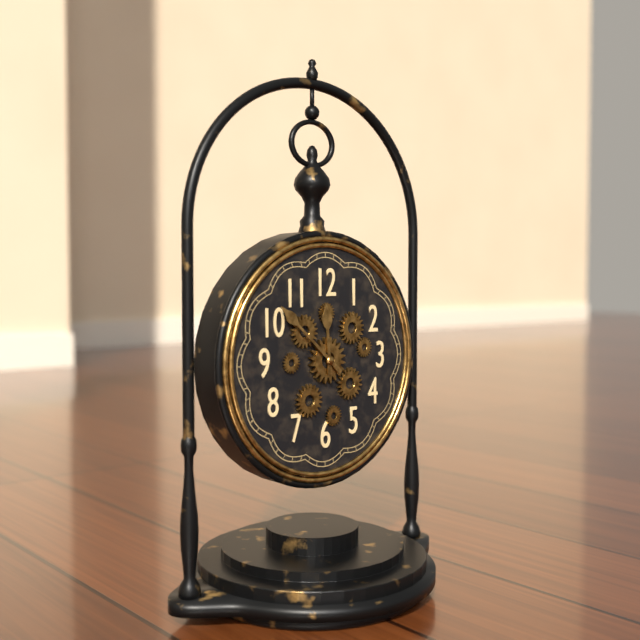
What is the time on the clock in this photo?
11:52
